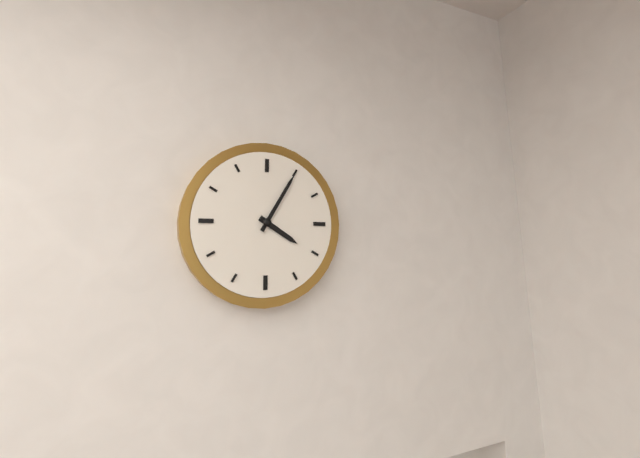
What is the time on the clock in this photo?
4:05
